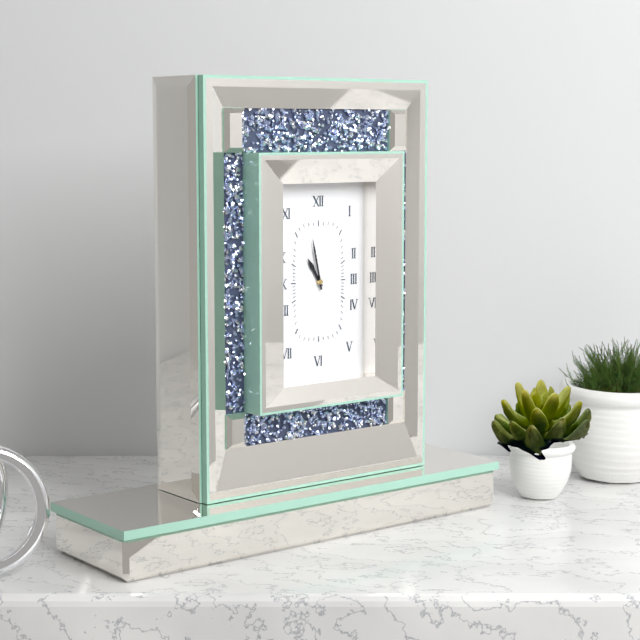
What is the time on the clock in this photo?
10:58
